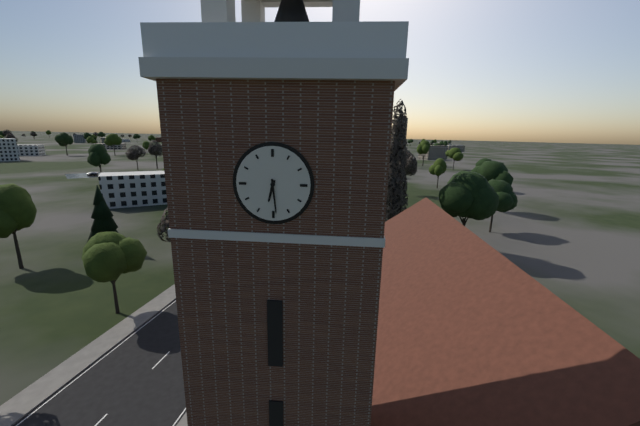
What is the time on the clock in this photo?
6:29
